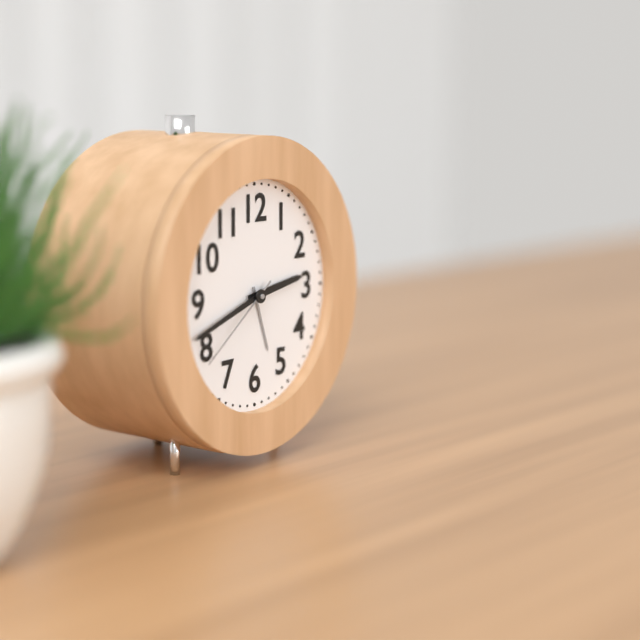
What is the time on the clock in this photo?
2:42:39
